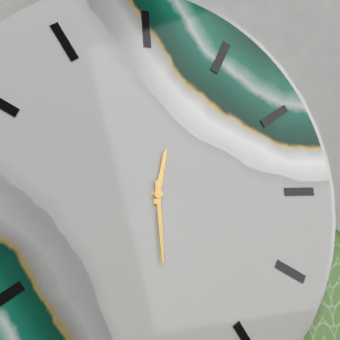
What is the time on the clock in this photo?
12:30
